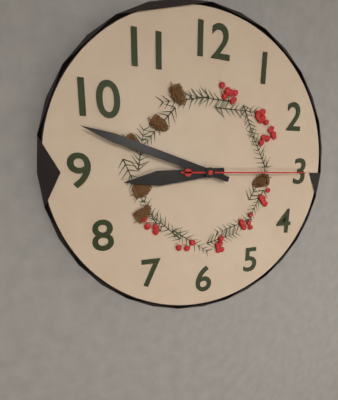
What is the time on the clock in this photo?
8:48:15
